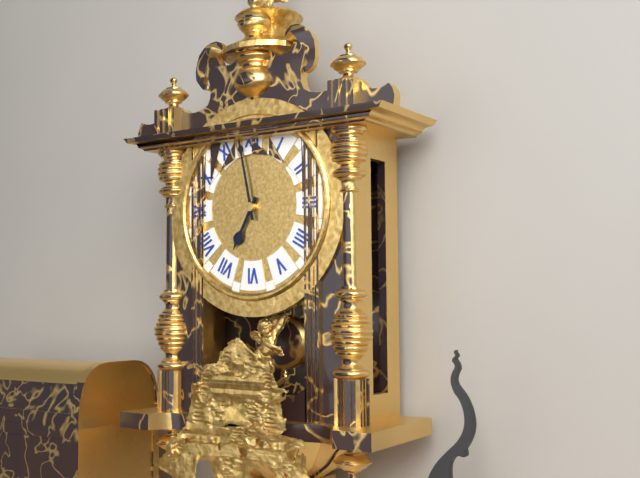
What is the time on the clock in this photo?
6:58
